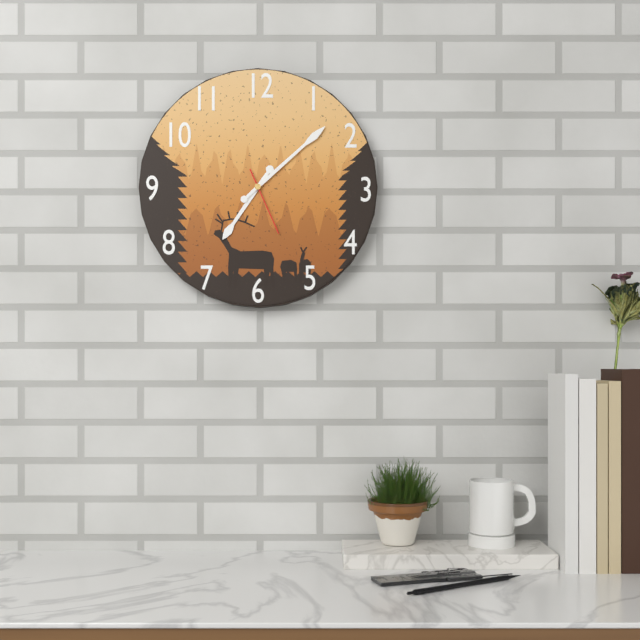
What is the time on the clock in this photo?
7:08:26
